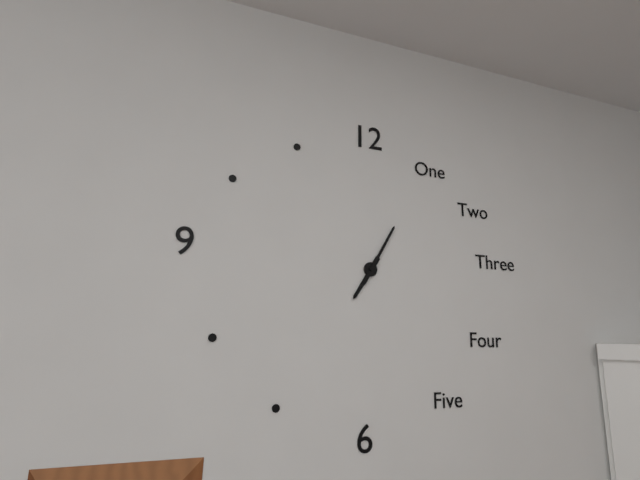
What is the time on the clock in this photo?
7:05
